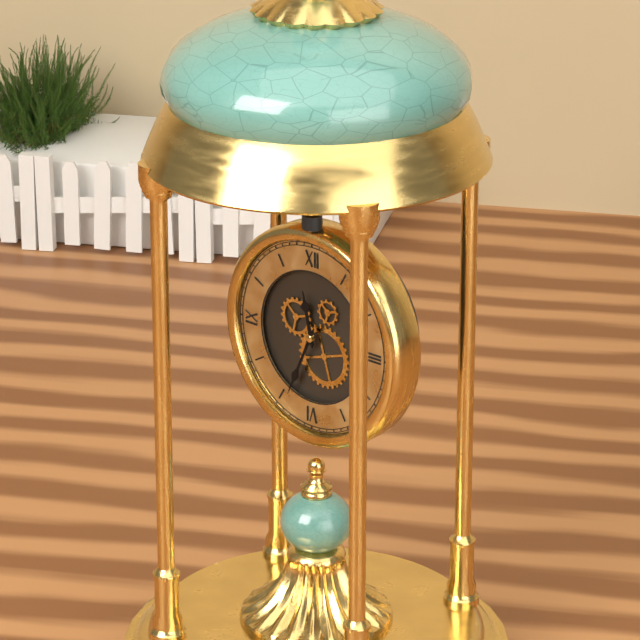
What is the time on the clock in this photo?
11:34
